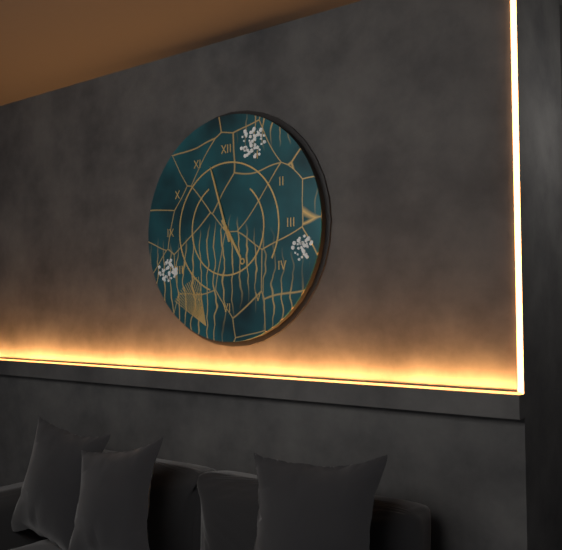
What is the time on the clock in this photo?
4:57
